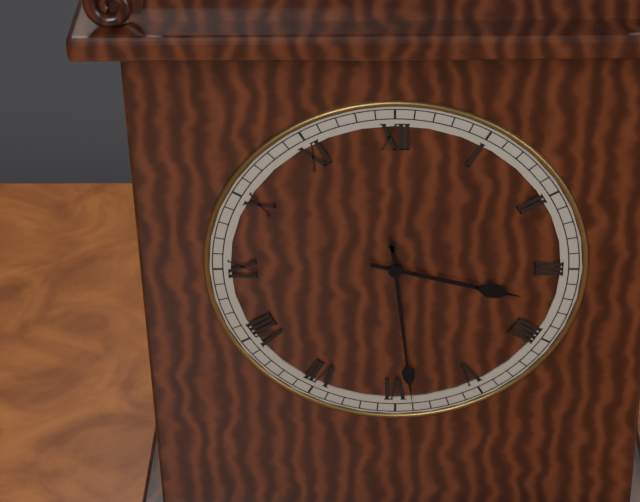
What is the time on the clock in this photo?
3:29
